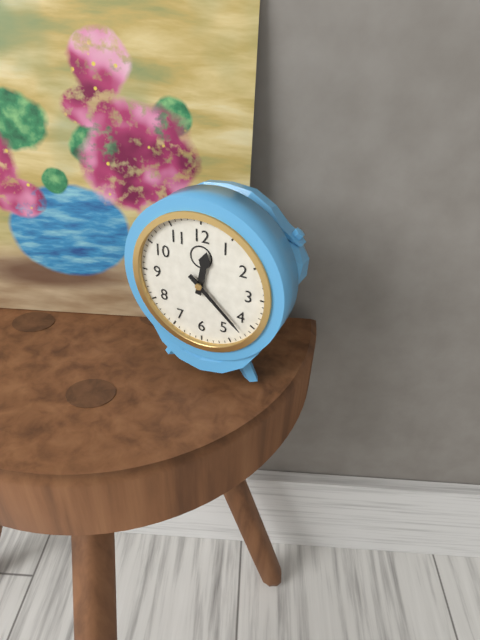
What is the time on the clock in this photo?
12:22
